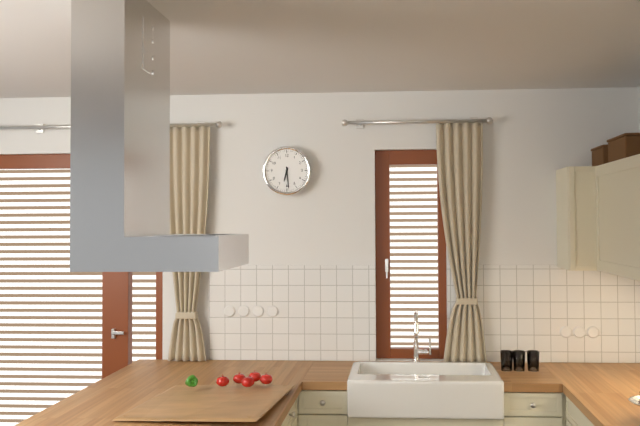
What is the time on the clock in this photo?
6:29
